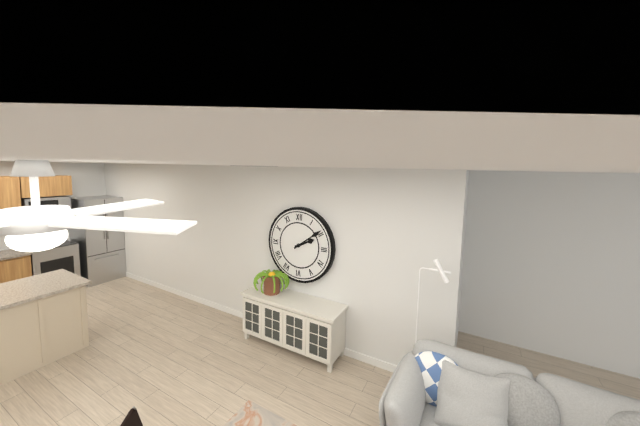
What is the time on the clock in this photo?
2:09
